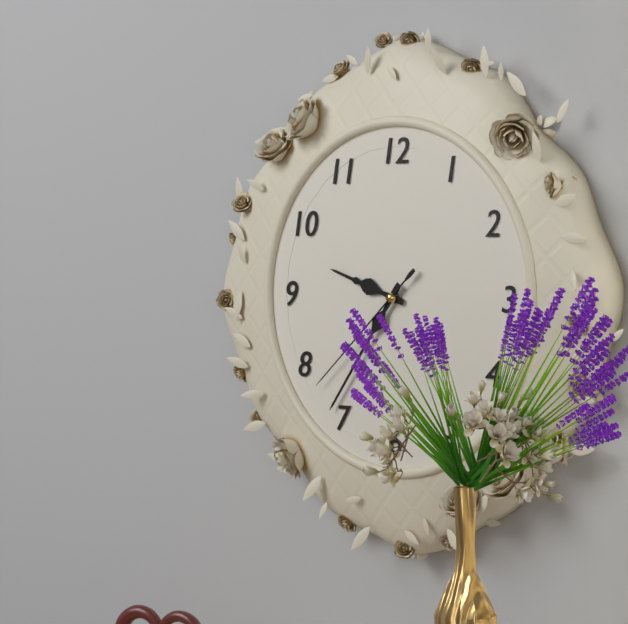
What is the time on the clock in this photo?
9:36:38
